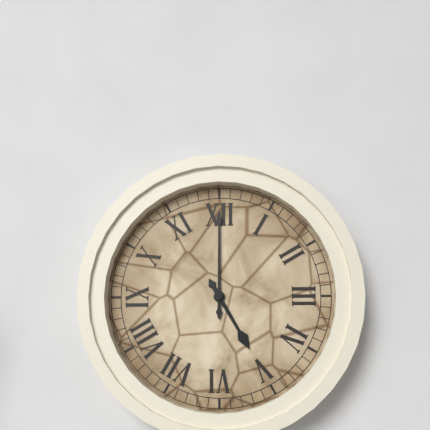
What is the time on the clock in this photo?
5:00
